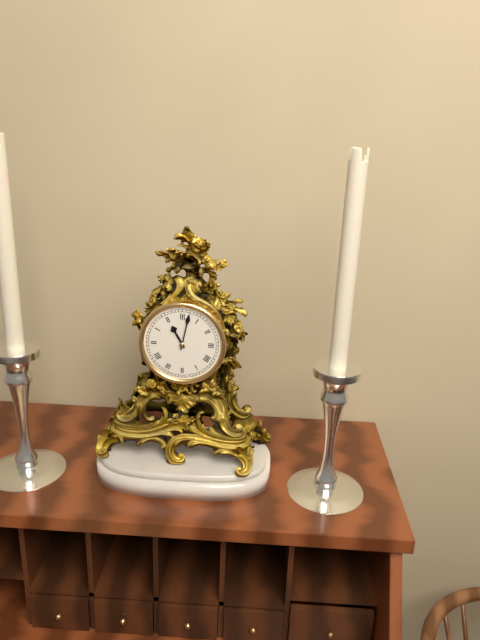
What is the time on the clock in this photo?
11:02
